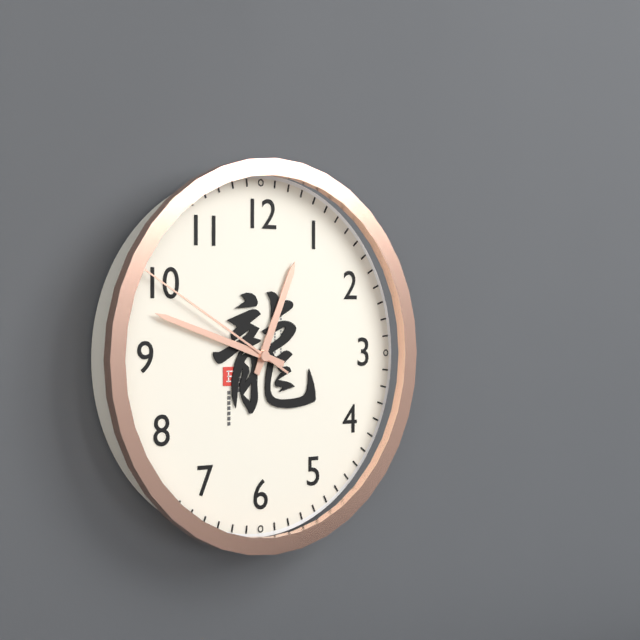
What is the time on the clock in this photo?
12:48:50
